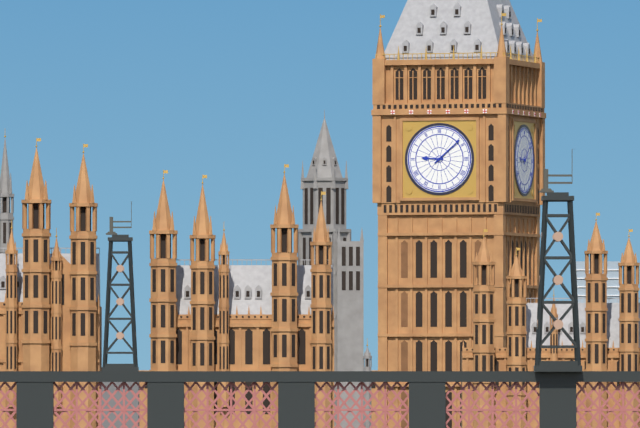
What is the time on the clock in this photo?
9:08
